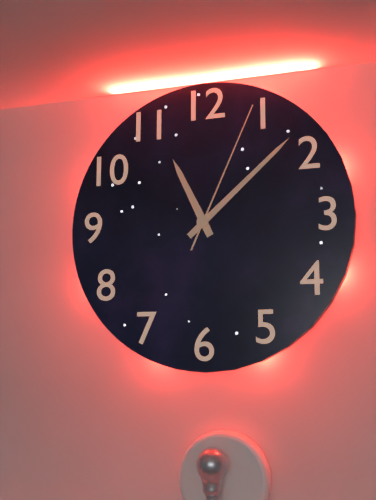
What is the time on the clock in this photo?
11:08:04
